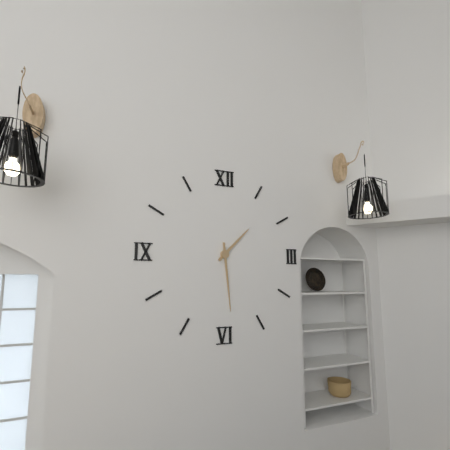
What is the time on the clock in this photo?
1:29
